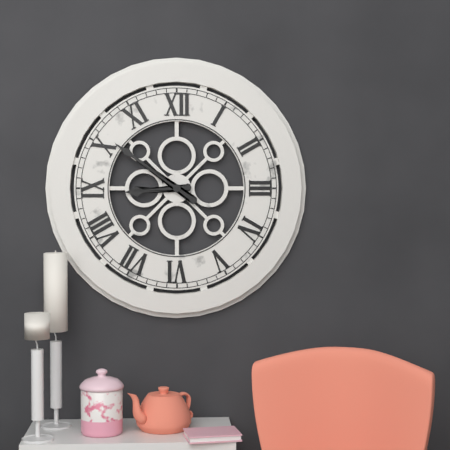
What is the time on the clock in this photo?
8:51
